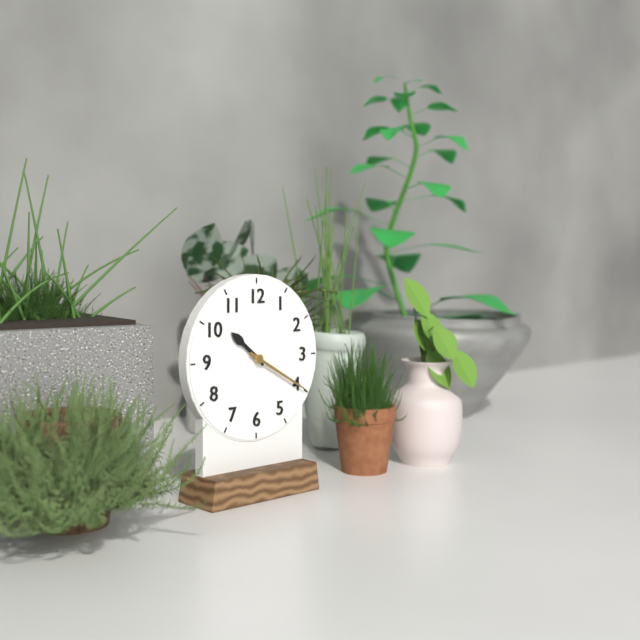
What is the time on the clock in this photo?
10:20
